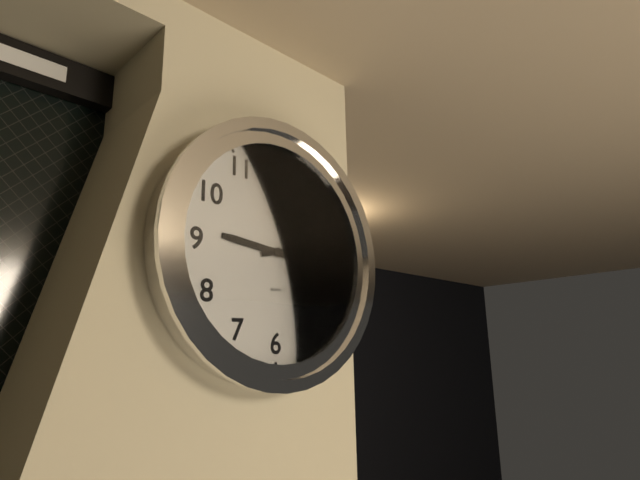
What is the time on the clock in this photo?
9:13
